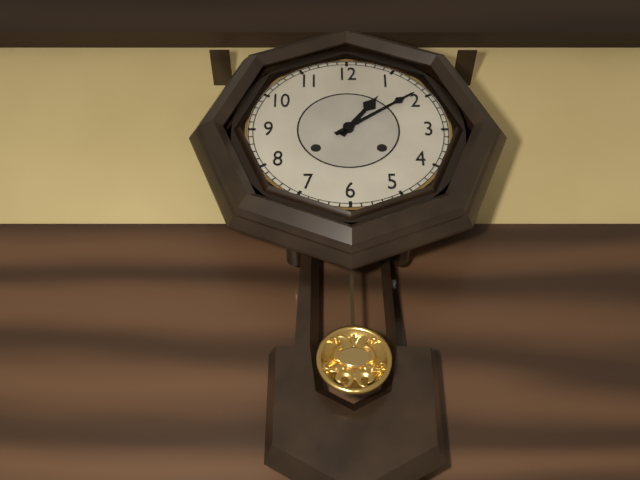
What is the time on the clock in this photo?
1:09
